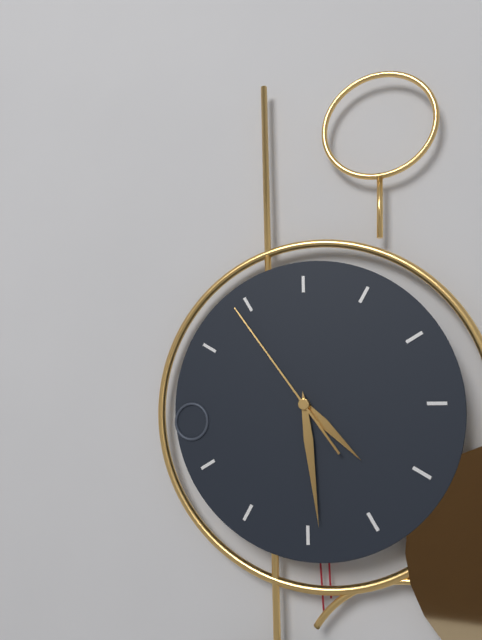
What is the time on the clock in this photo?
4:29:54
